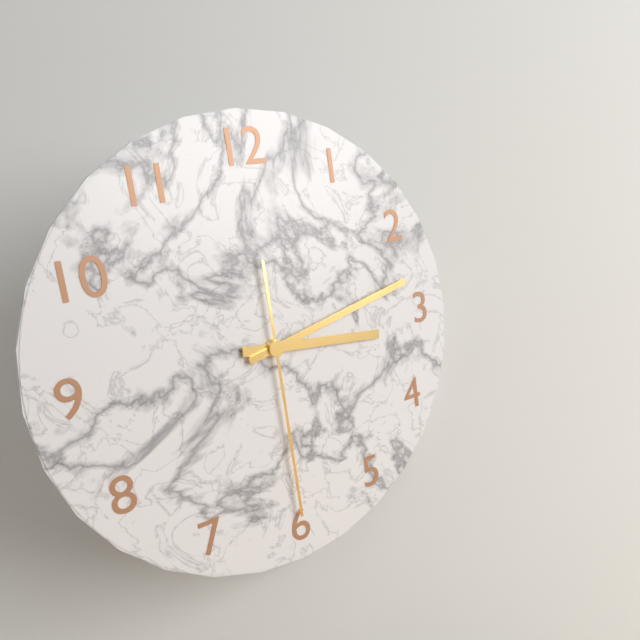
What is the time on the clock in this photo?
3:13:30
